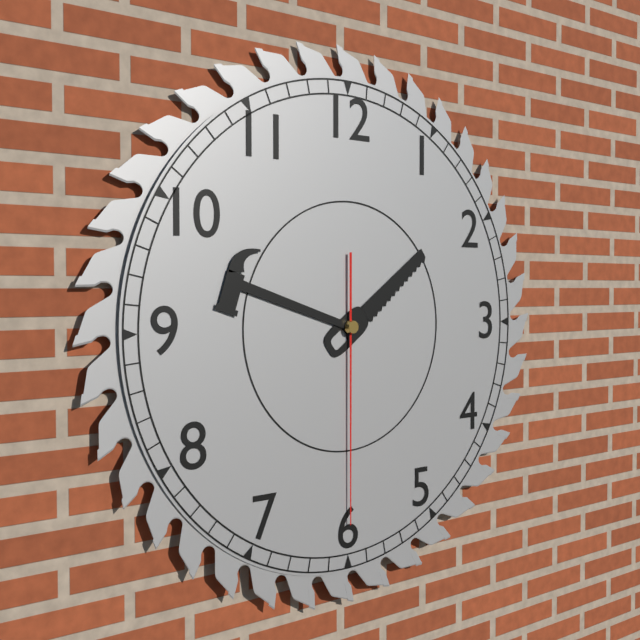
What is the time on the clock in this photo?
1:48:30
